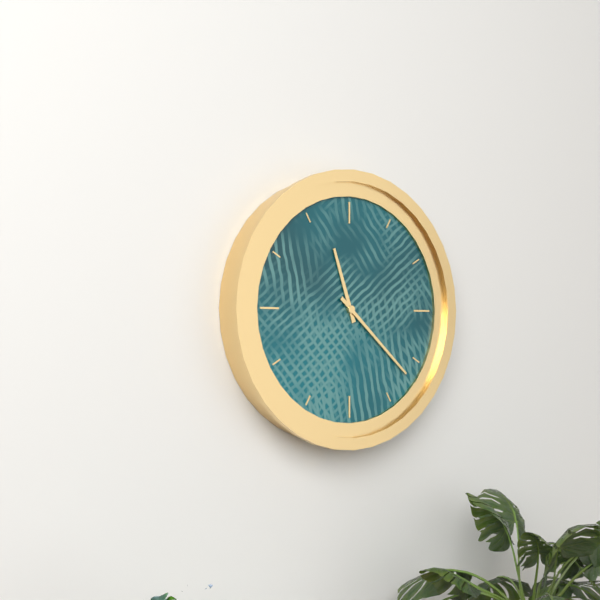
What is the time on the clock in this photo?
11:22
